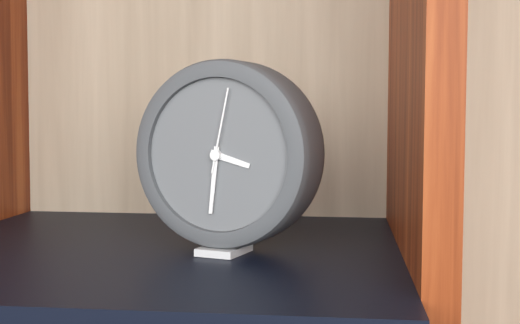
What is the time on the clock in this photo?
3:31:02
